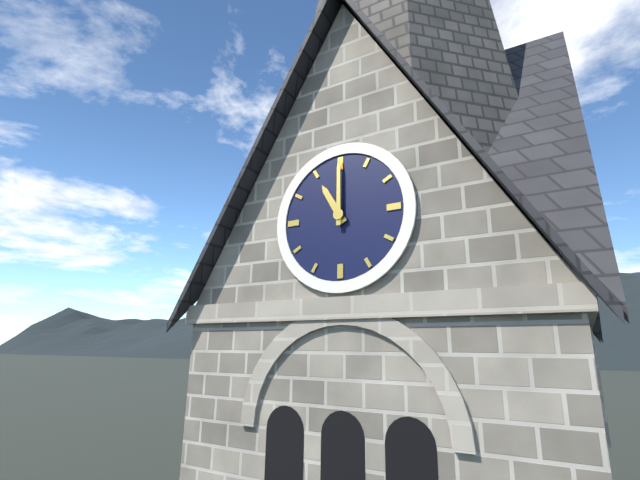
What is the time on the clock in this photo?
11:00
